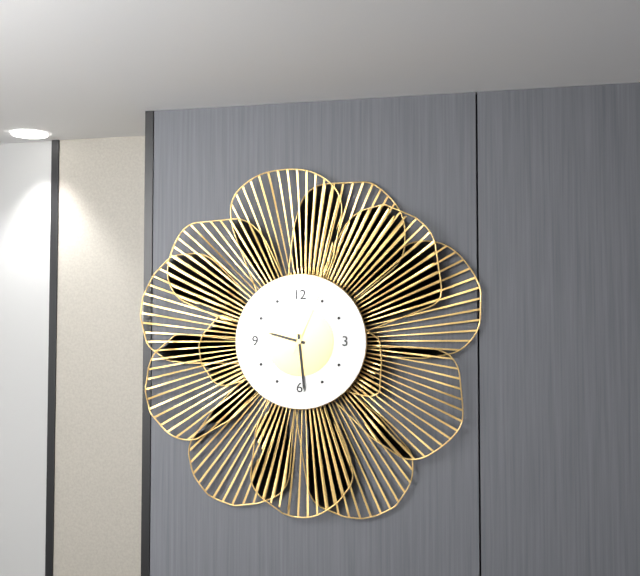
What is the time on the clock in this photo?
9:29:04
